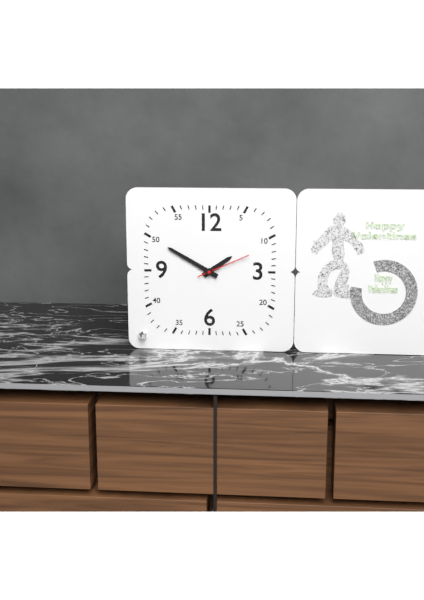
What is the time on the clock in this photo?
1:50:11
